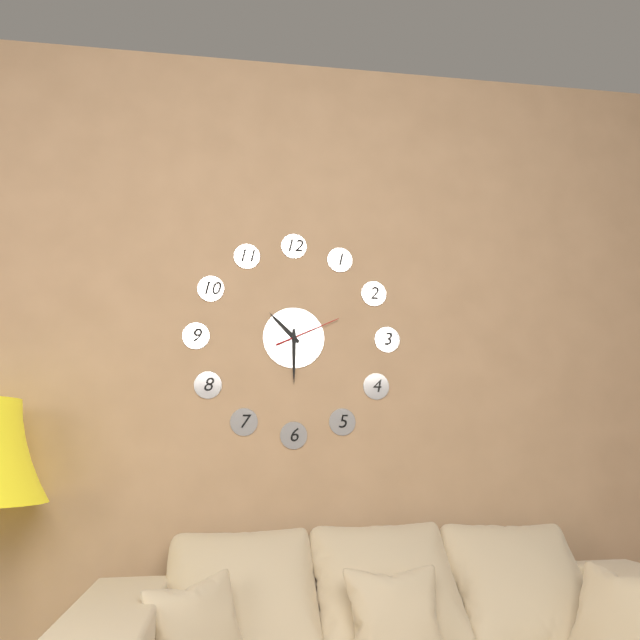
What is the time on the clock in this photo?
10:30:11
